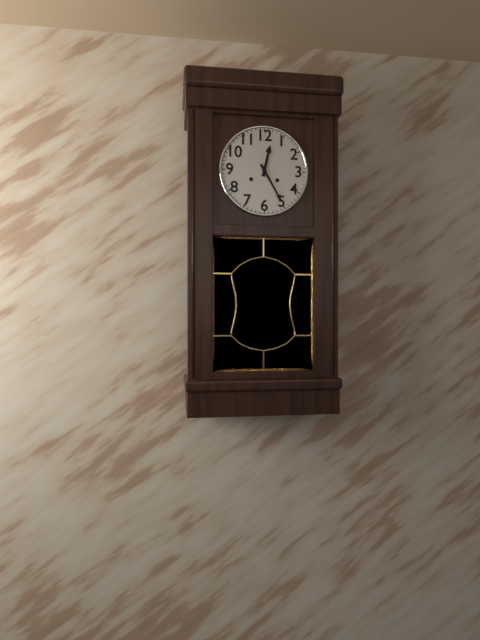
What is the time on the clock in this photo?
12:25
